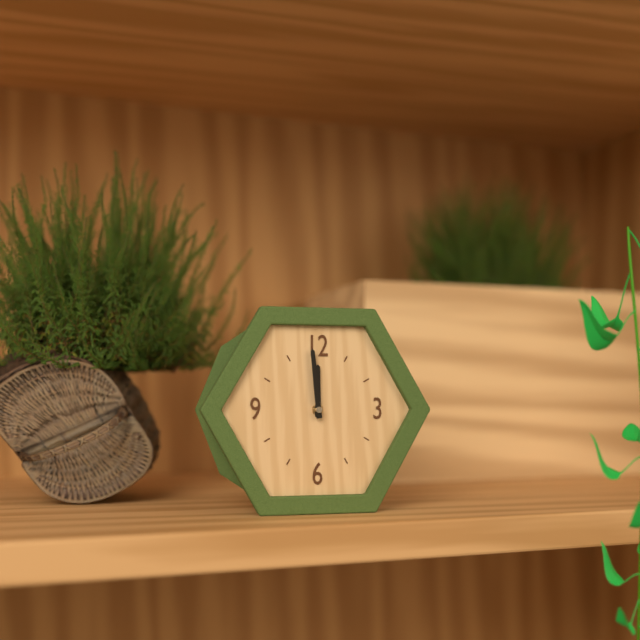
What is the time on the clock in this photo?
11:59
